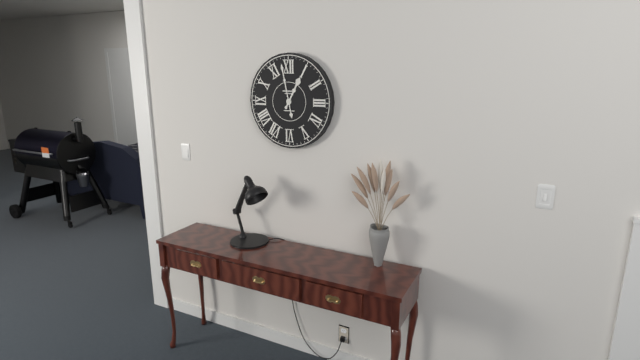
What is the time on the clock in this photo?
12:58
